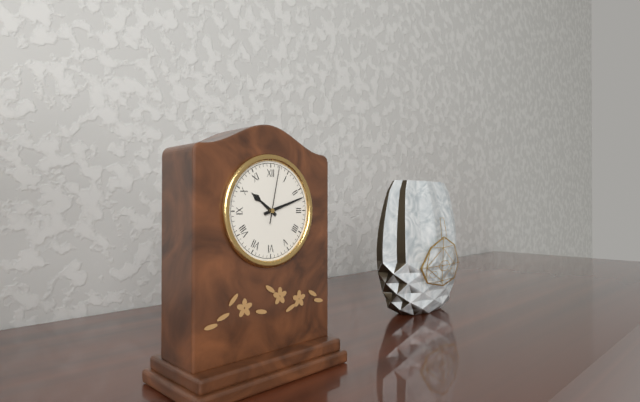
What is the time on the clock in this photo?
10:12:02
